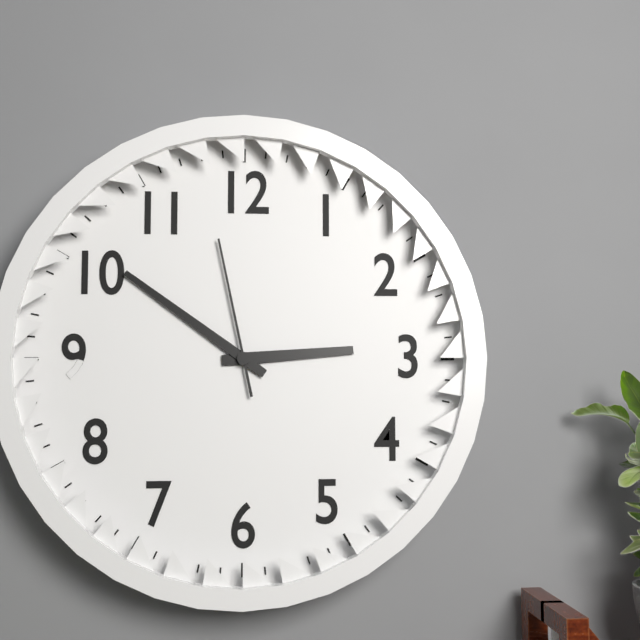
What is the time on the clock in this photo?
2:51:58
